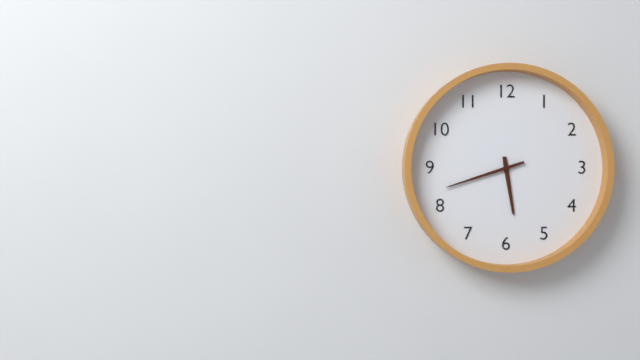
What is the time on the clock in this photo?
5:42
